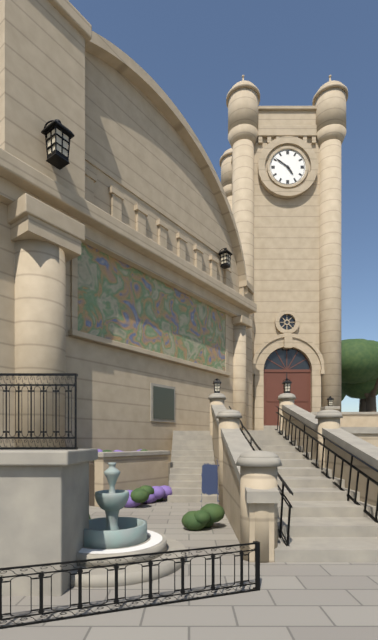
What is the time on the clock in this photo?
4:51
